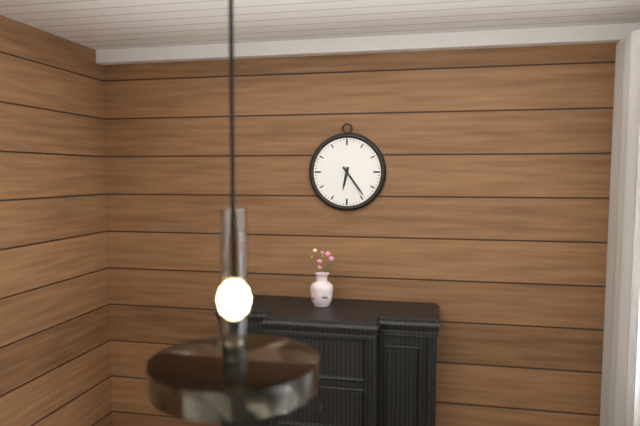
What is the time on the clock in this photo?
6:24
